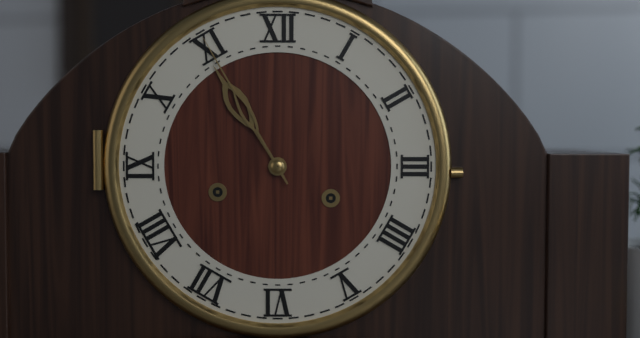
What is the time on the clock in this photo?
10:55
